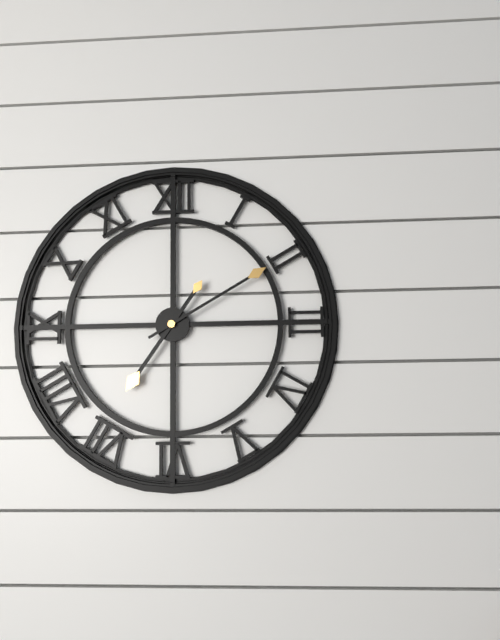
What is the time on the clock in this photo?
7:10
